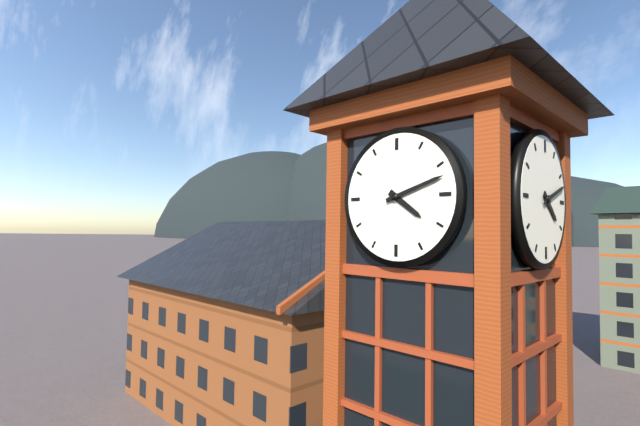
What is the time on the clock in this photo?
4:12
